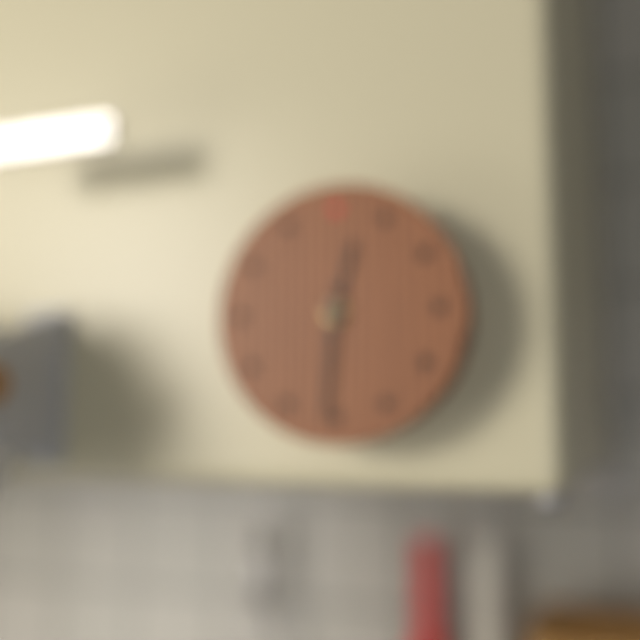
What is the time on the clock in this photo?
12:31
